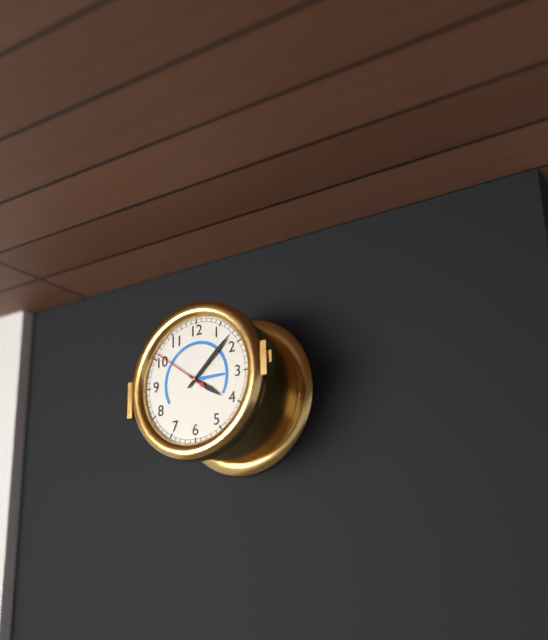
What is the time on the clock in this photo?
4:08:51
